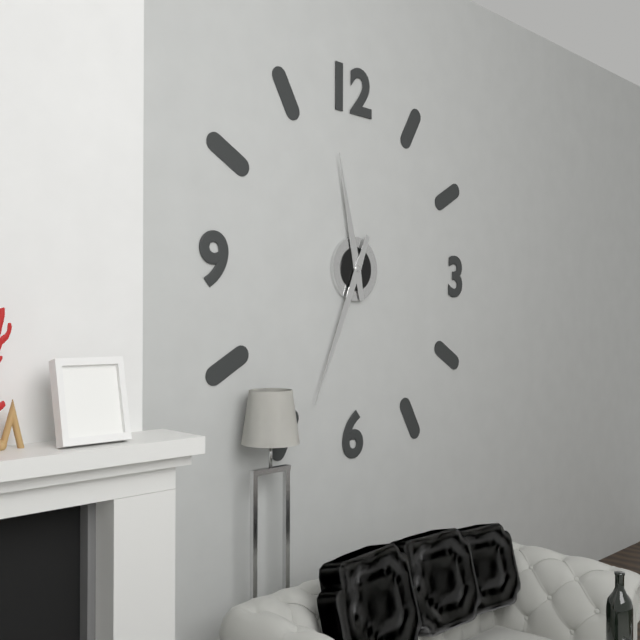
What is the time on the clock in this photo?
11:34
